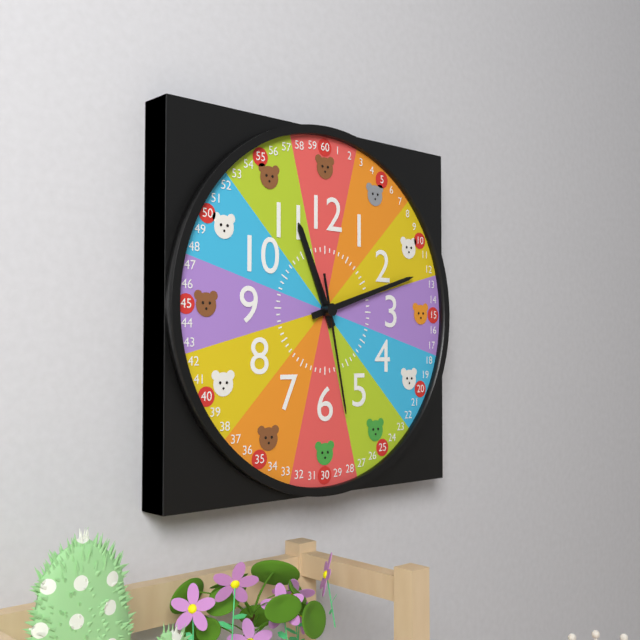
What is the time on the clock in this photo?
11:12:28
